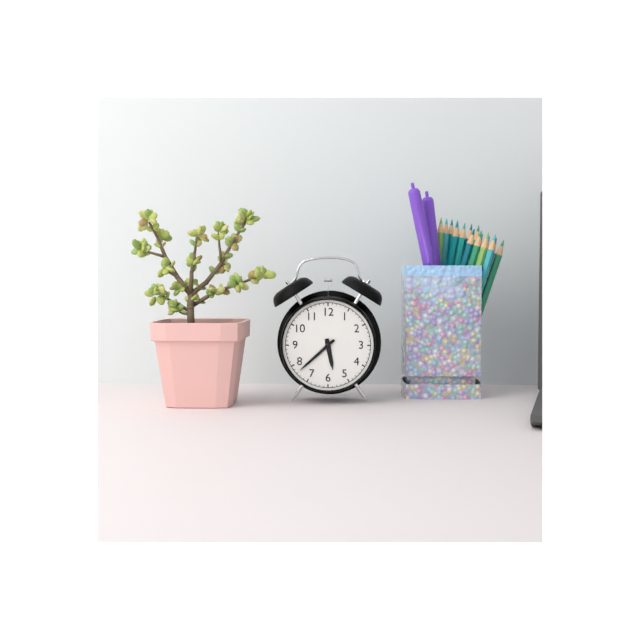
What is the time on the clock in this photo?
5:38
